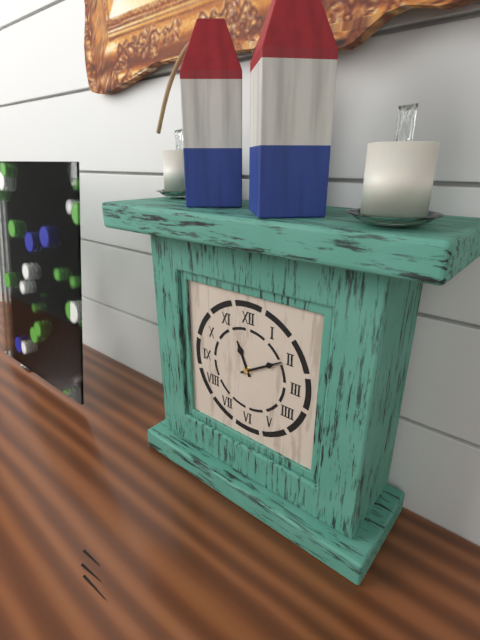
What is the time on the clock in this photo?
11:10
